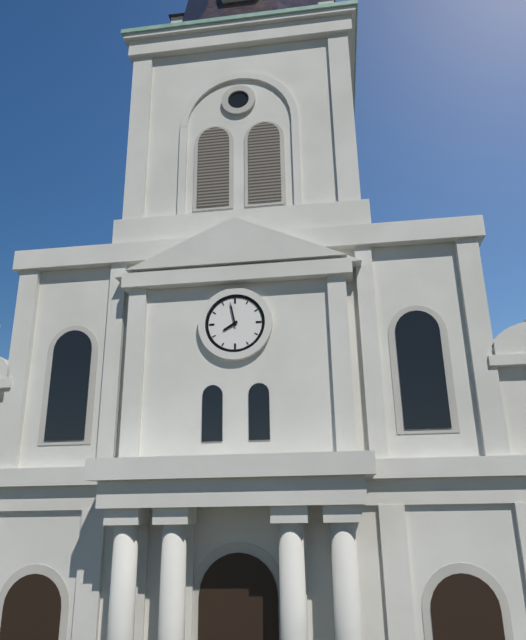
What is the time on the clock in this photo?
7:58
